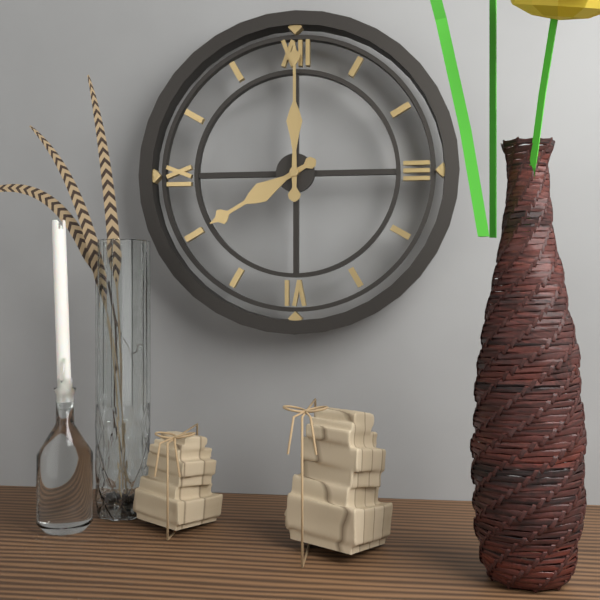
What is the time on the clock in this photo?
8:00
